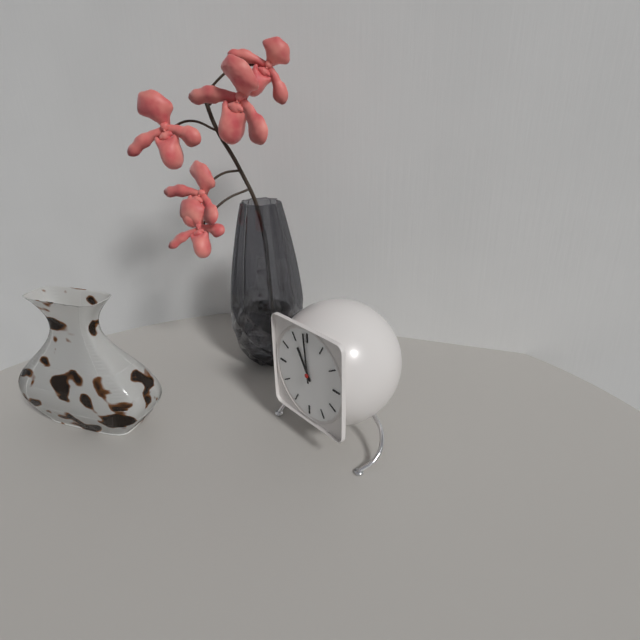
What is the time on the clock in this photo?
10:59
